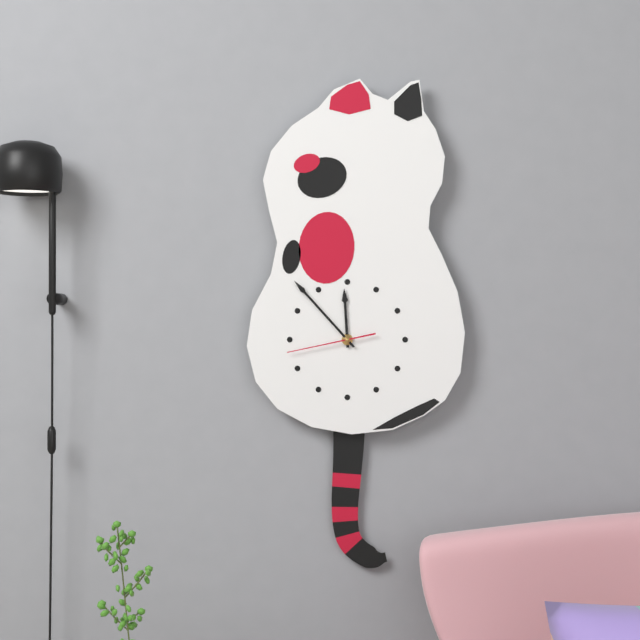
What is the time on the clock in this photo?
11:53:43
